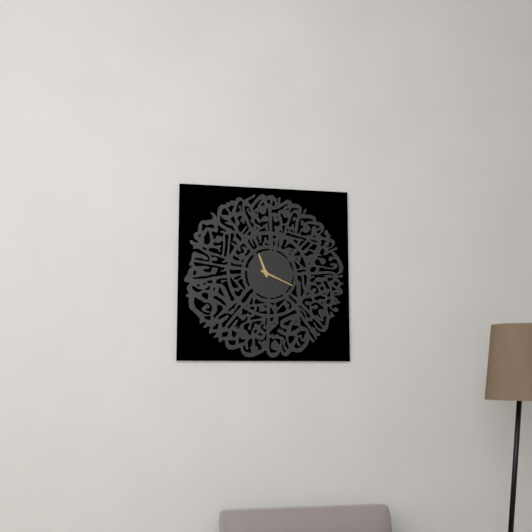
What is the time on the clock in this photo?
11:19
